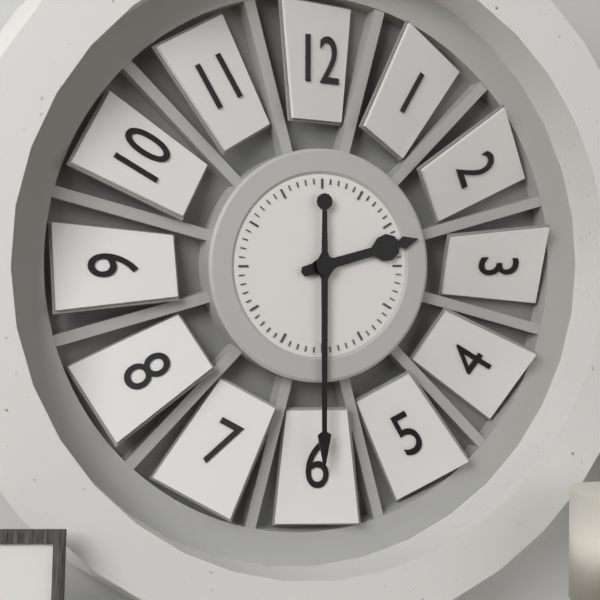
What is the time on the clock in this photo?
2:30
